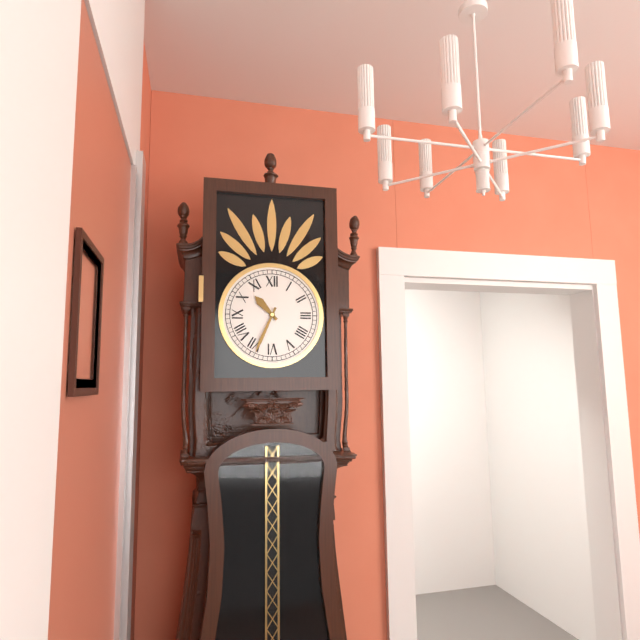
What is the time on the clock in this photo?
10:34
